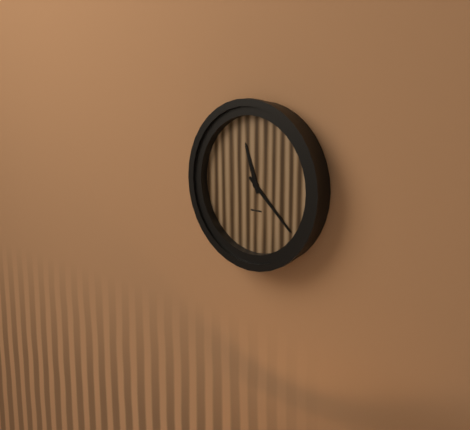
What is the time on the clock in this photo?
11:22
